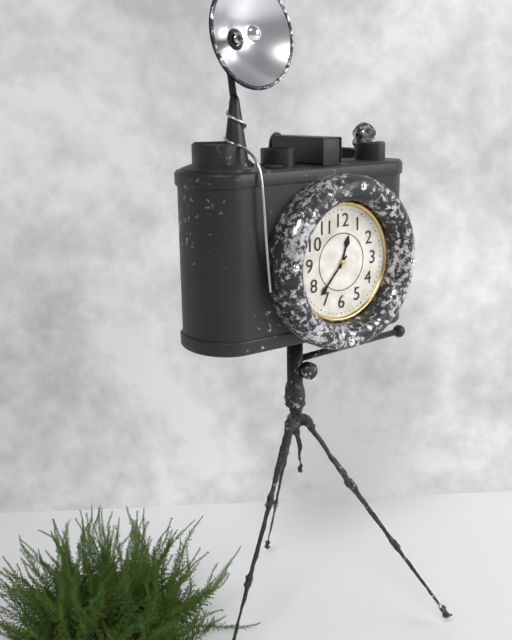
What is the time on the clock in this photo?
12:37
